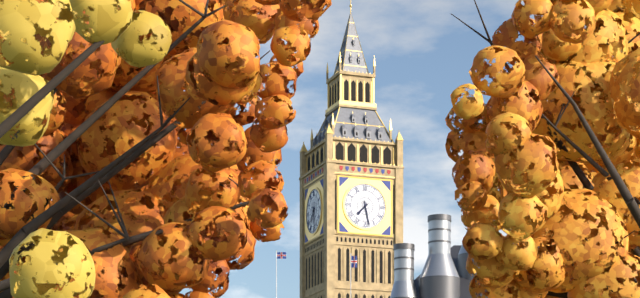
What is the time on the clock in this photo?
7:28
